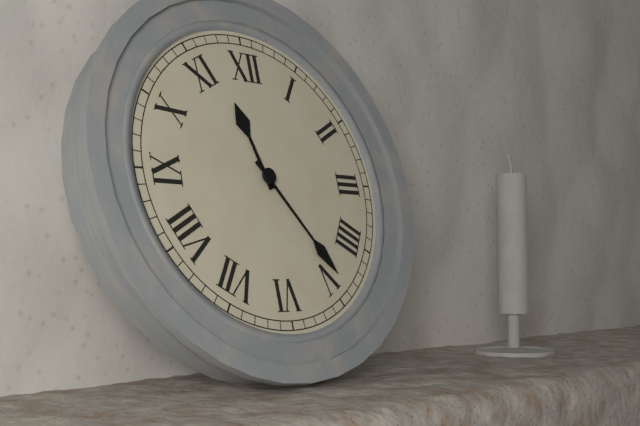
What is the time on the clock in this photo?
11:24
